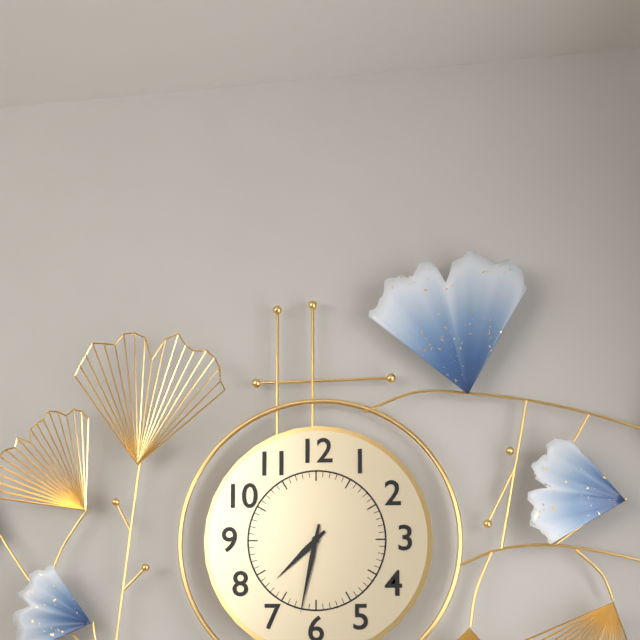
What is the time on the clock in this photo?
7:32
